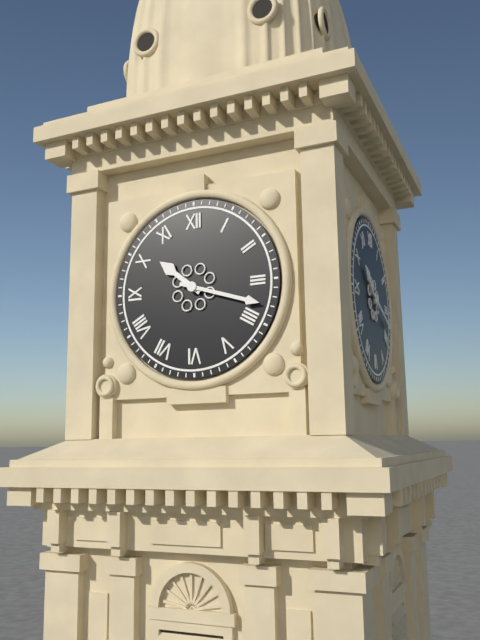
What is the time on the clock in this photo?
10:18
